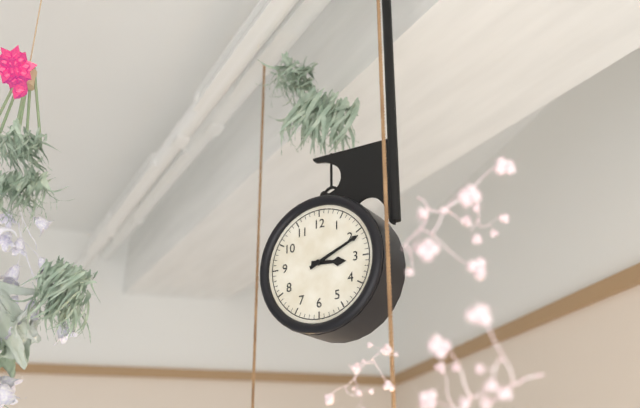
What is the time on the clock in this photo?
3:11
